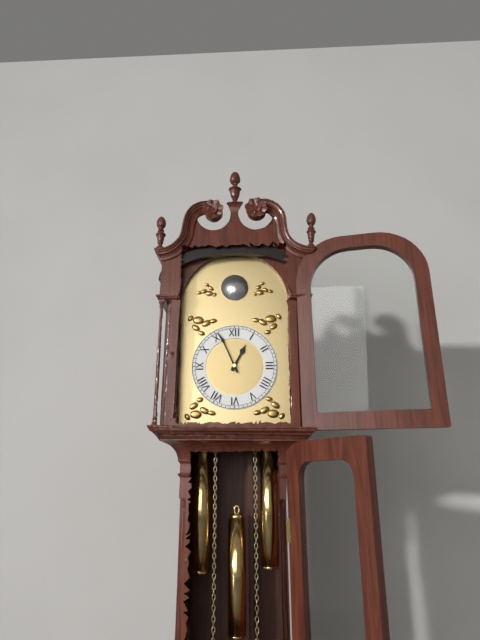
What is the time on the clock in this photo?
12:56
